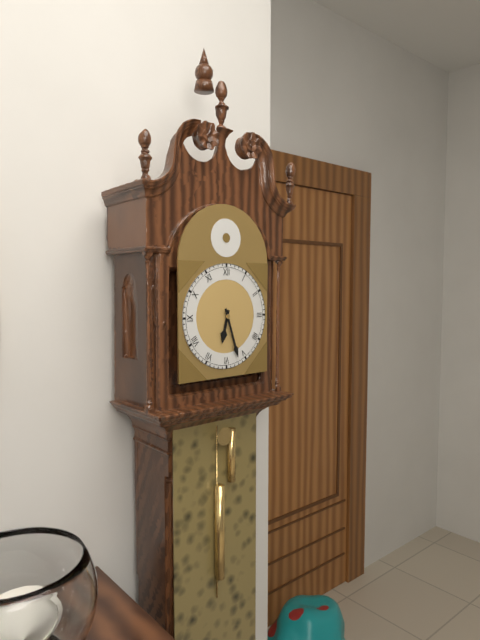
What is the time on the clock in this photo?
6:27
